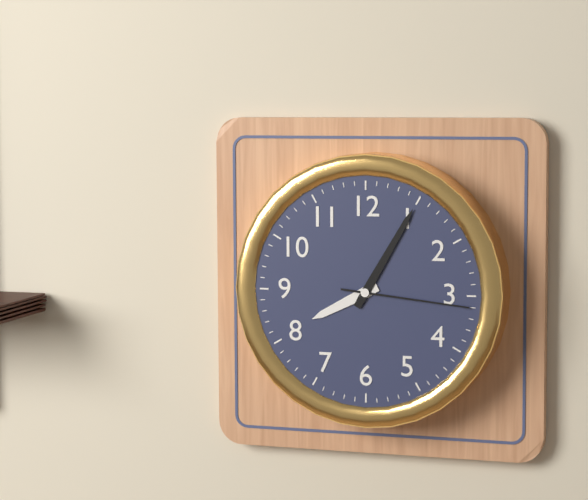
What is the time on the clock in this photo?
8:05:16
